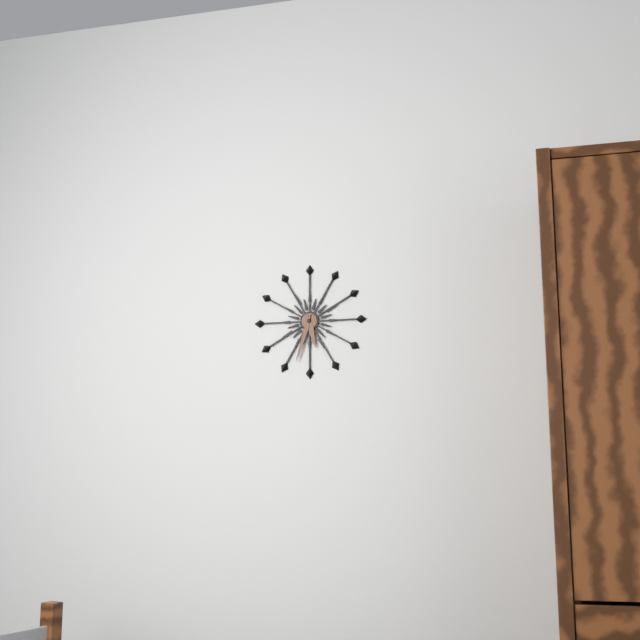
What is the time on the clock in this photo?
5:33
